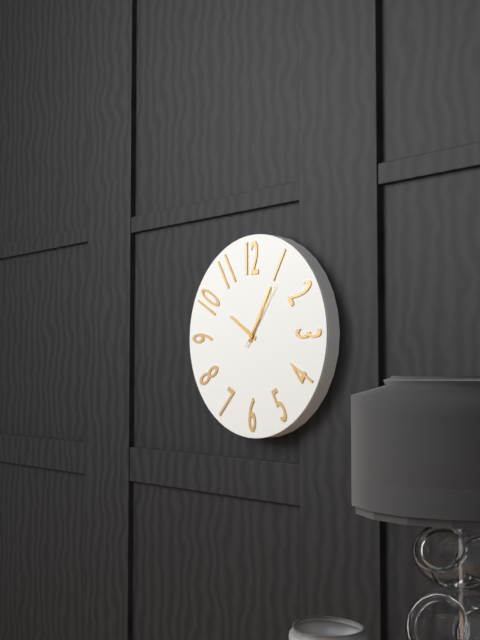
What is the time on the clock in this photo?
10:05:06
